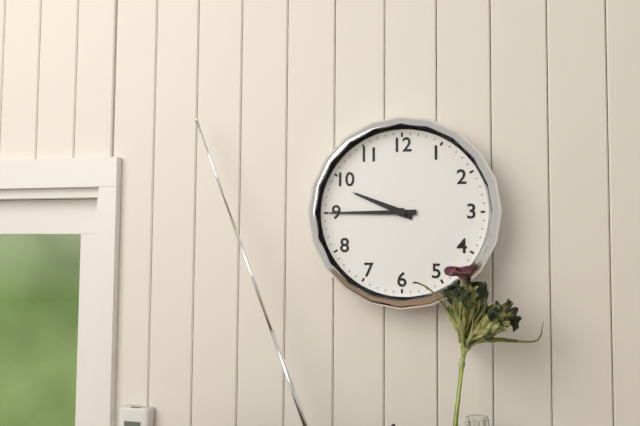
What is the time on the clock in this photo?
9:45
